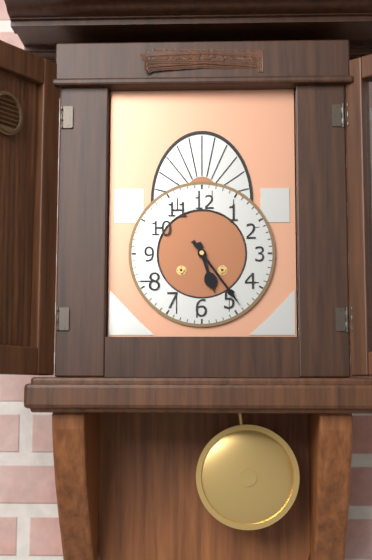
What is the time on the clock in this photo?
5:24
